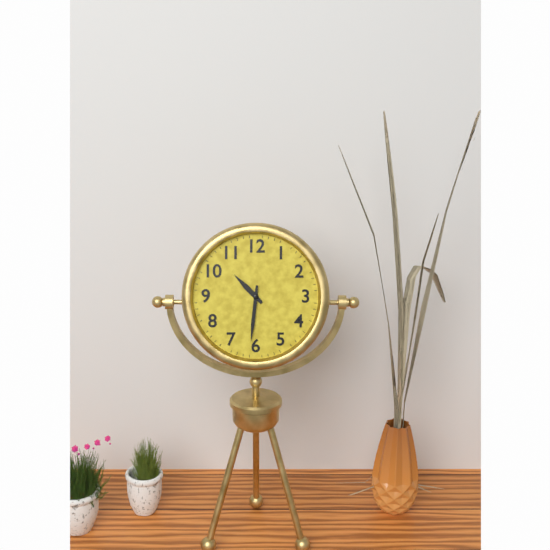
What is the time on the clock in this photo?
10:31
